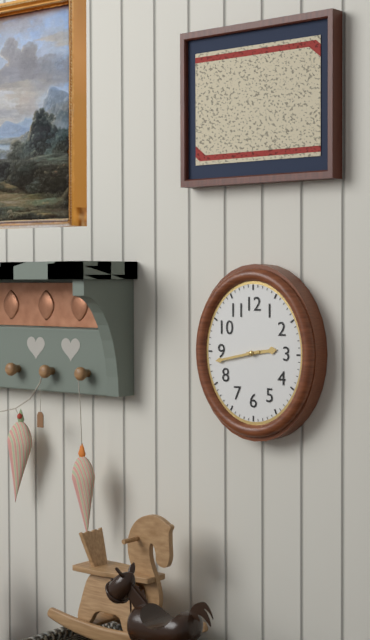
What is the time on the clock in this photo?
2:43
